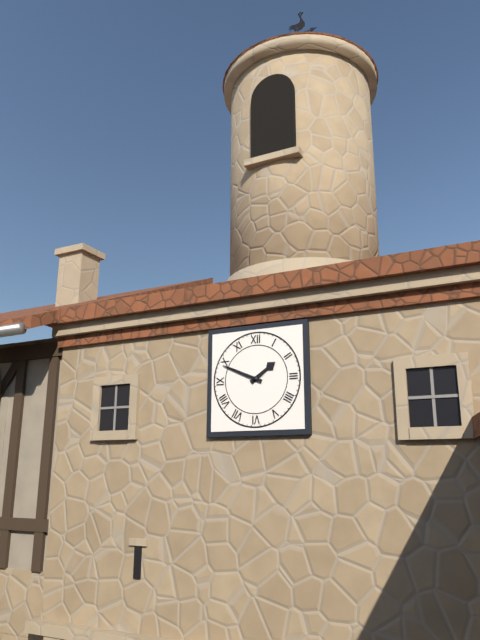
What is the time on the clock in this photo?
1:49
